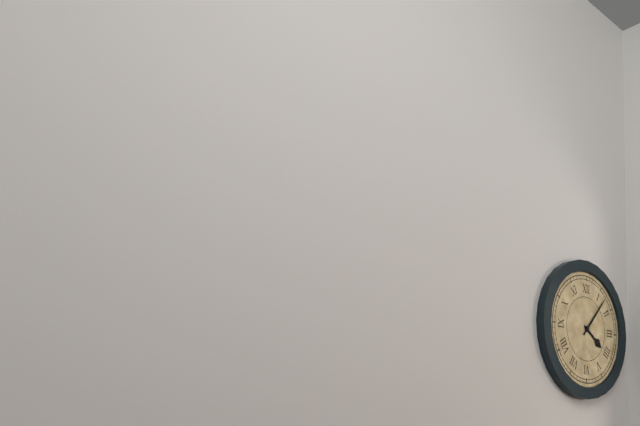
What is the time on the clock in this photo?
4:07
